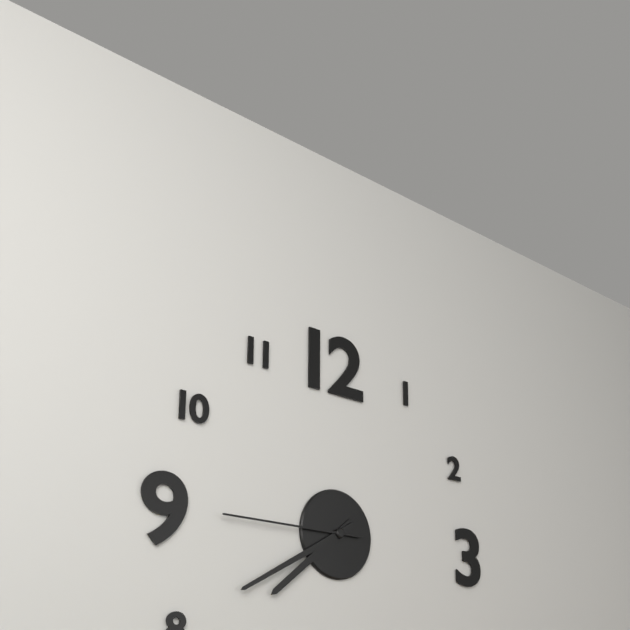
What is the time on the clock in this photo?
7:40:45
